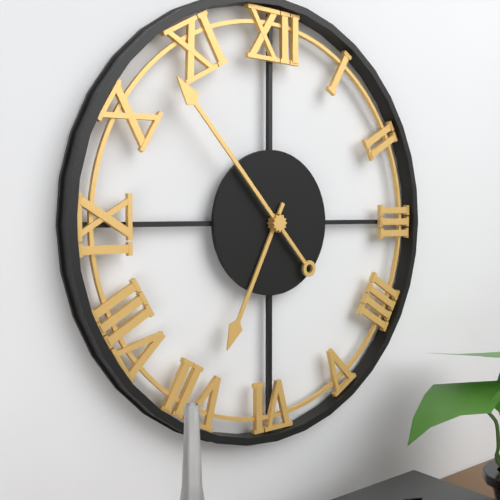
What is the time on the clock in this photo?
6:53
